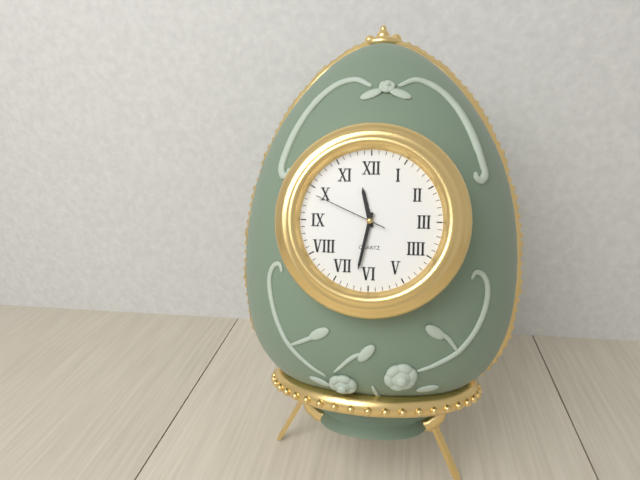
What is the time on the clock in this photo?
11:32:49
